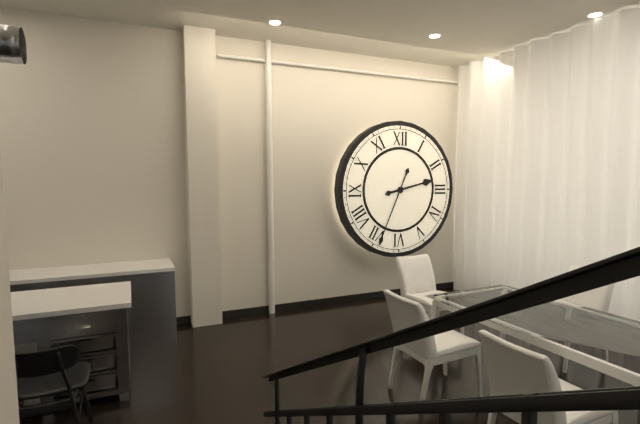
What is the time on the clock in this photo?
2:34
